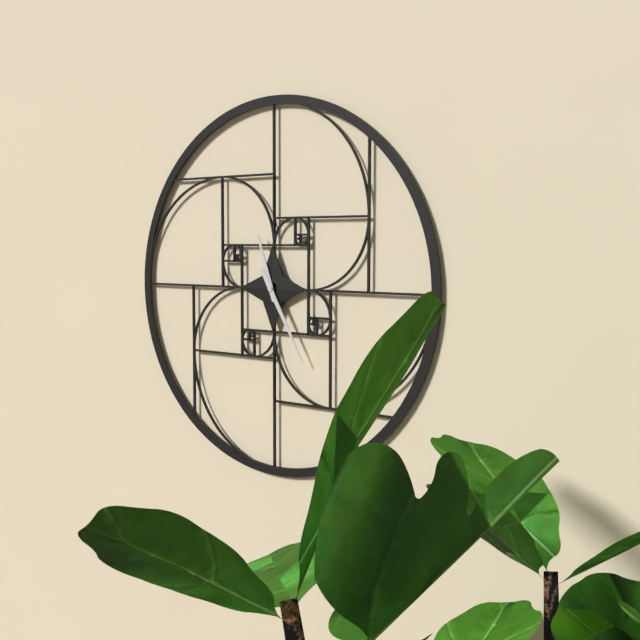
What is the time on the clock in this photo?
11:25
